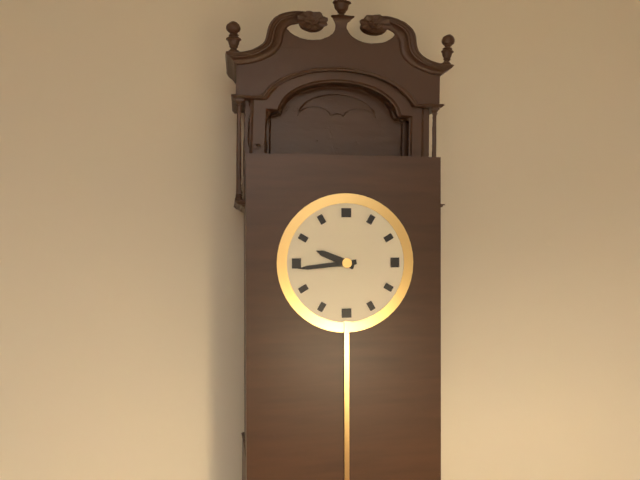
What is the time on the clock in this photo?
9:44
